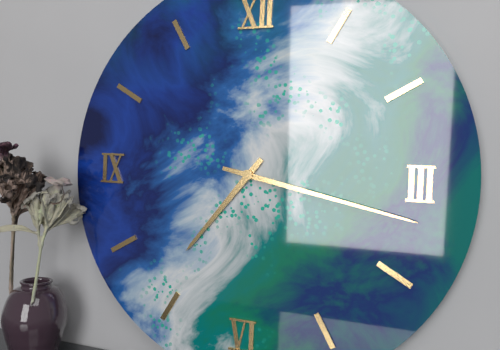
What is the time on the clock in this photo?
7:17
